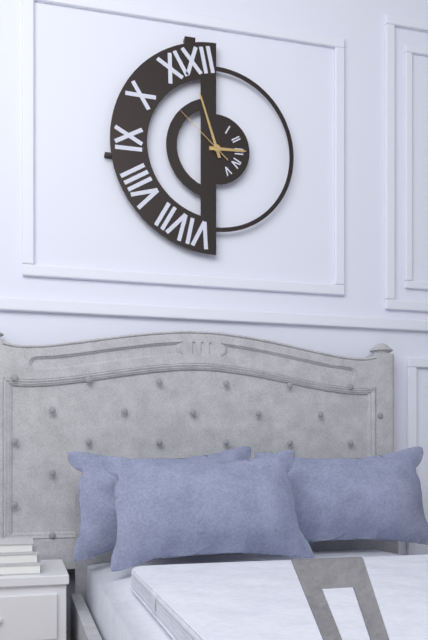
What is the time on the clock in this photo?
2:57:52
